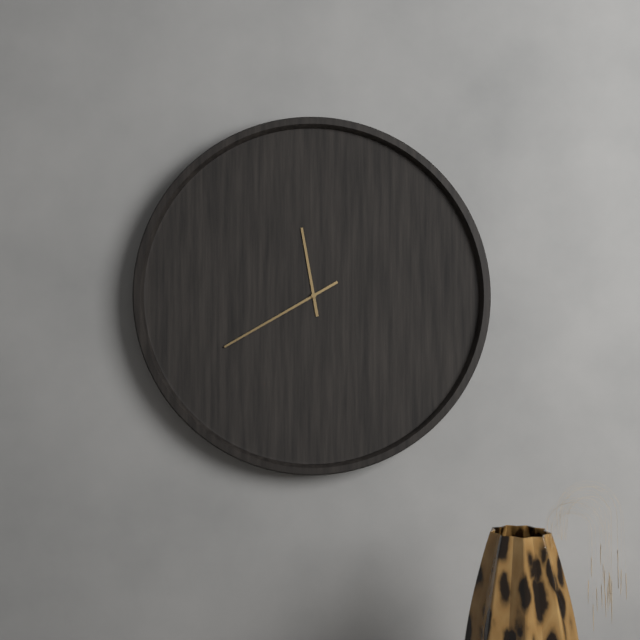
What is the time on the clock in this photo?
11:40
